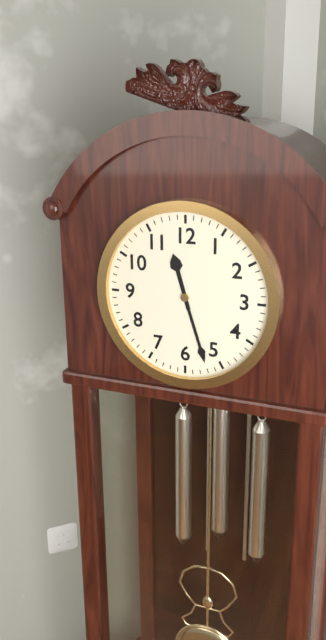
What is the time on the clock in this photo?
11:27
